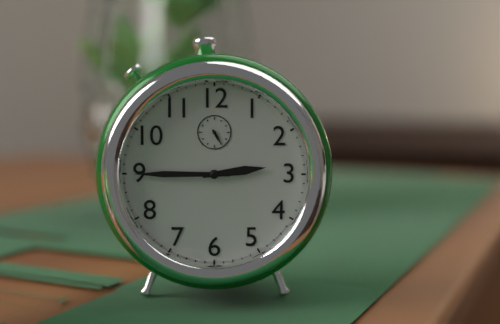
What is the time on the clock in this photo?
2:45
